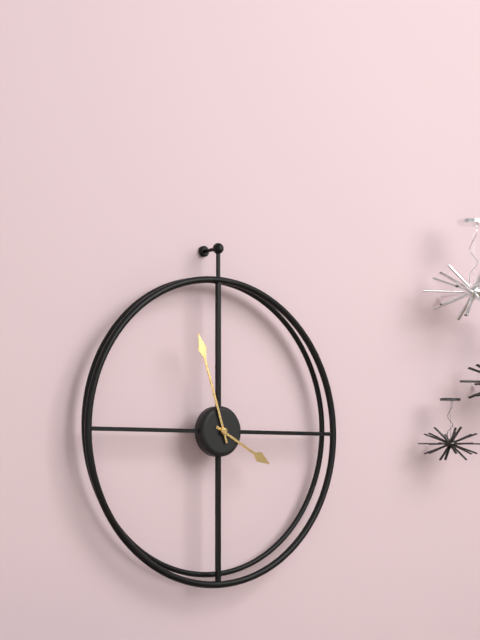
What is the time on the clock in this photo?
3:57
